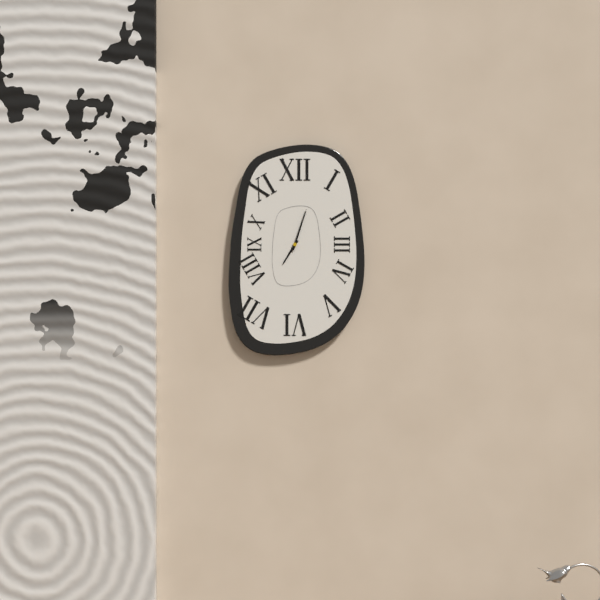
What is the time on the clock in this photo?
7:03
